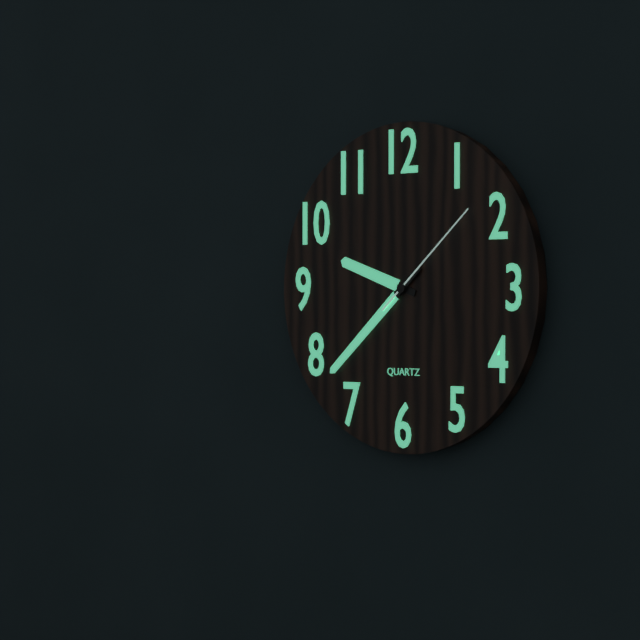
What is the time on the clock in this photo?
9:38:08
